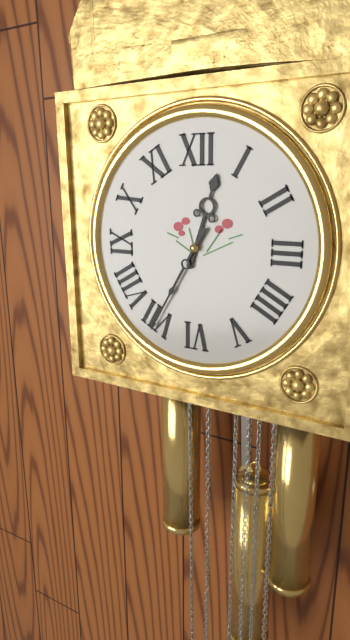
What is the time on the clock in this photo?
12:35
